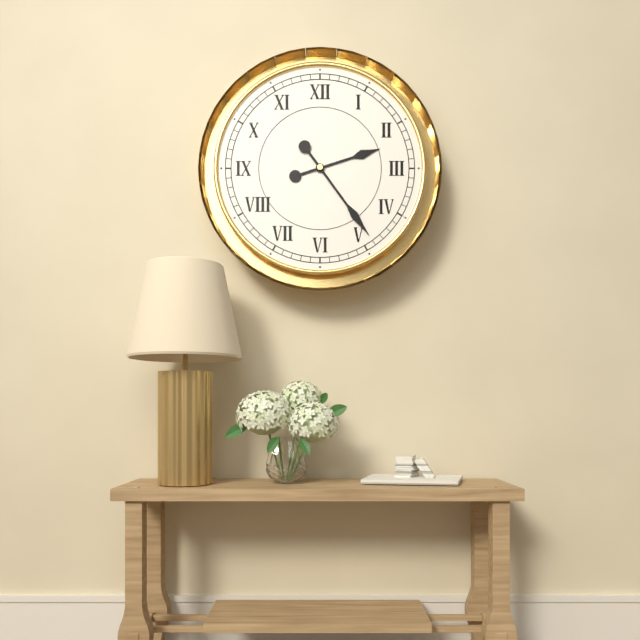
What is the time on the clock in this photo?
2:24
